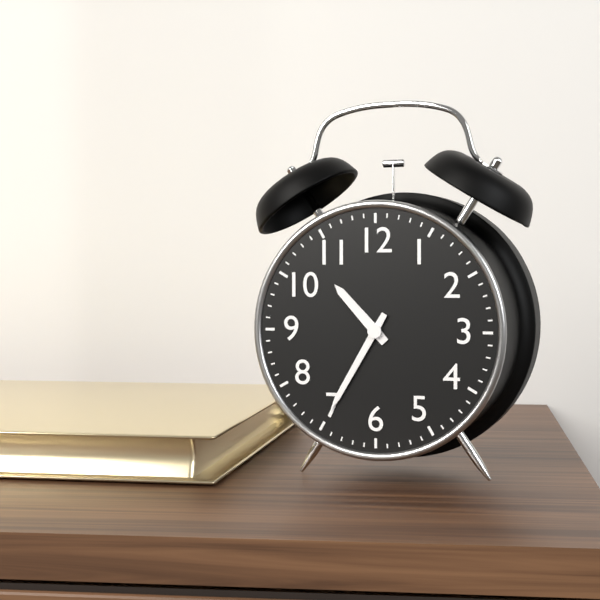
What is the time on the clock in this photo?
10:35
